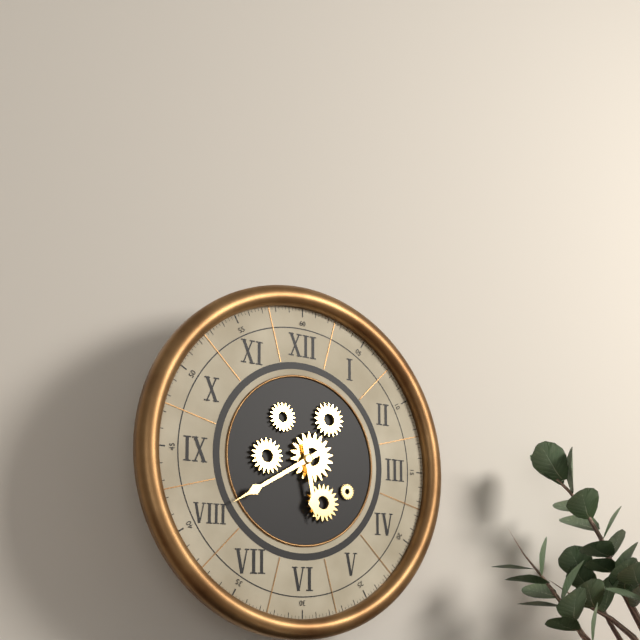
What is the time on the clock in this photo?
5:40
